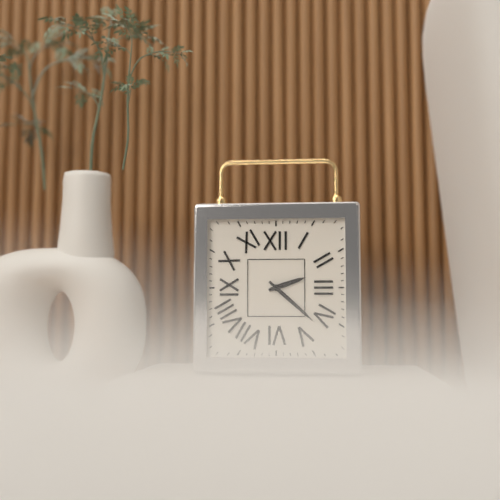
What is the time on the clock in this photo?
2:22
